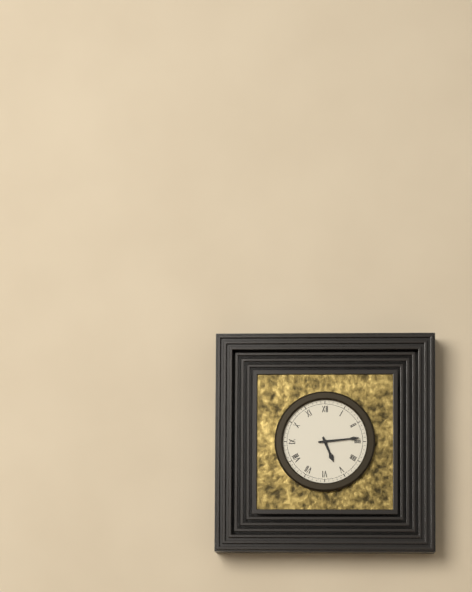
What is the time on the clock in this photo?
5:14
